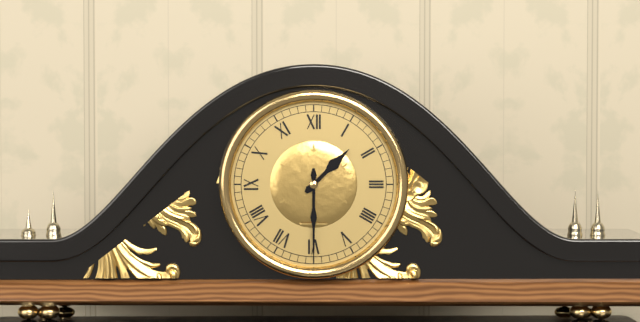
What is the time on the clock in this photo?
1:30
